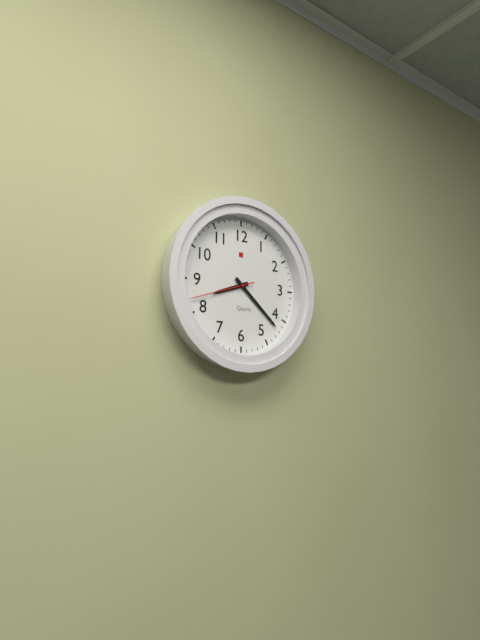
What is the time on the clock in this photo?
8:22:42
